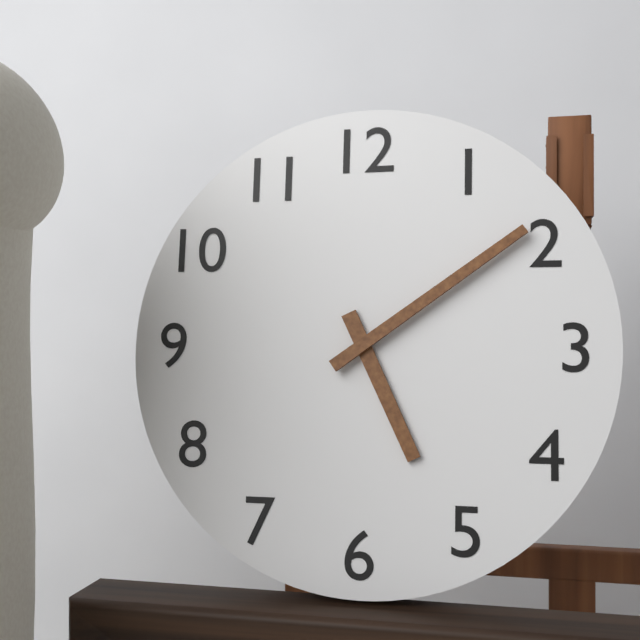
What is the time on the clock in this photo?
5:09
